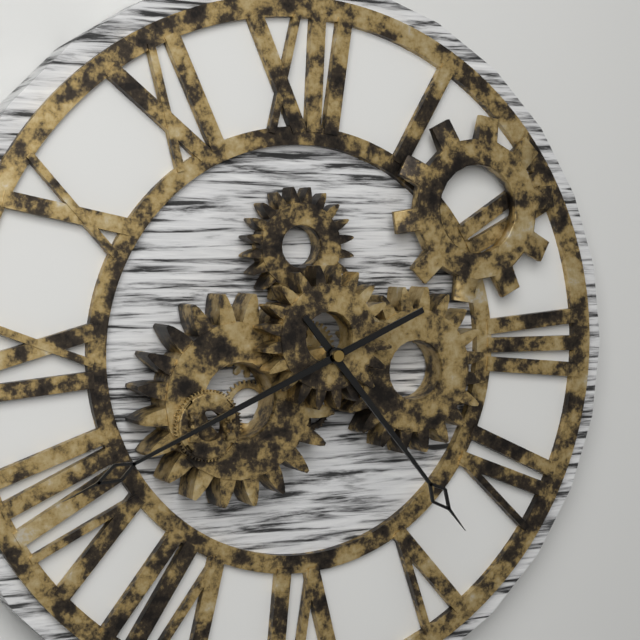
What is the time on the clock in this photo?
4:41
